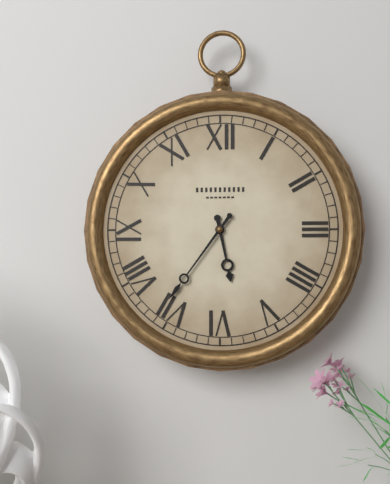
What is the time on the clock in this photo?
5:36
